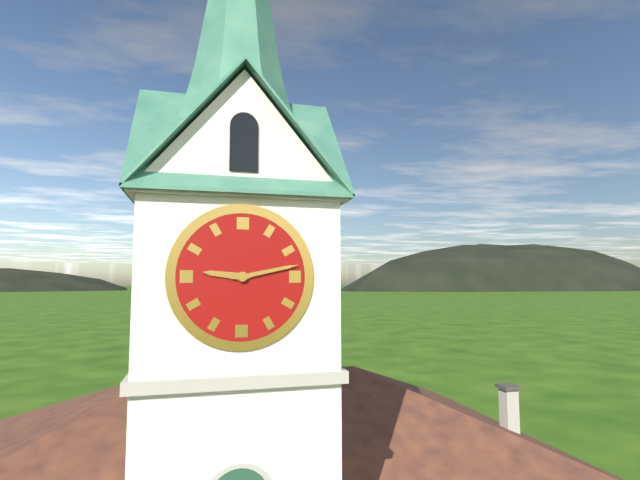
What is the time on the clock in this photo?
9:13
